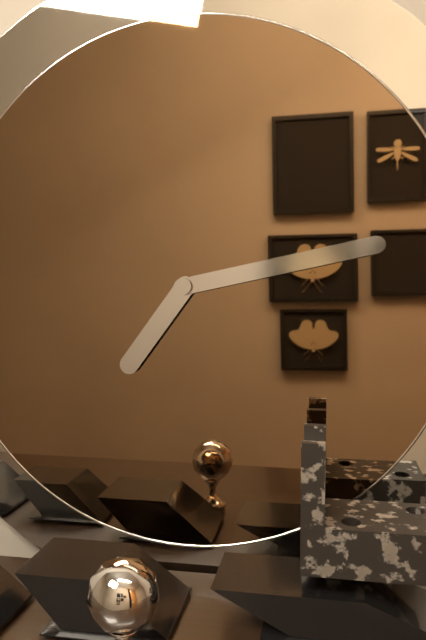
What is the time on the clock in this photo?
7:13
